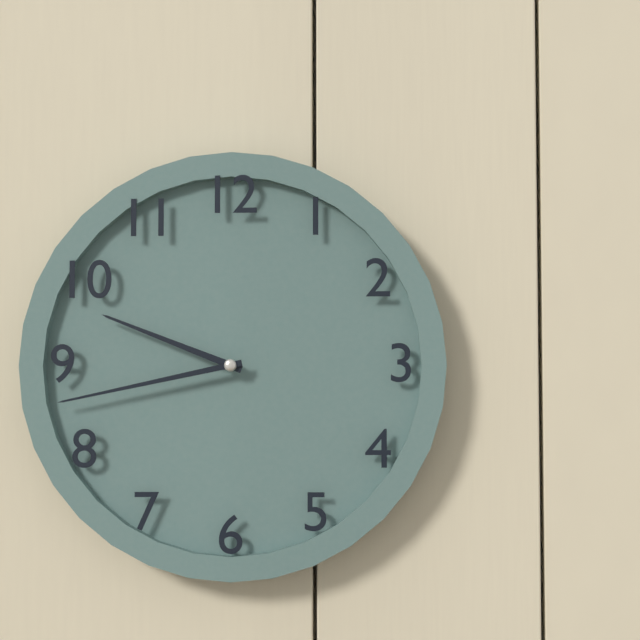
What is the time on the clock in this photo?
9:43
